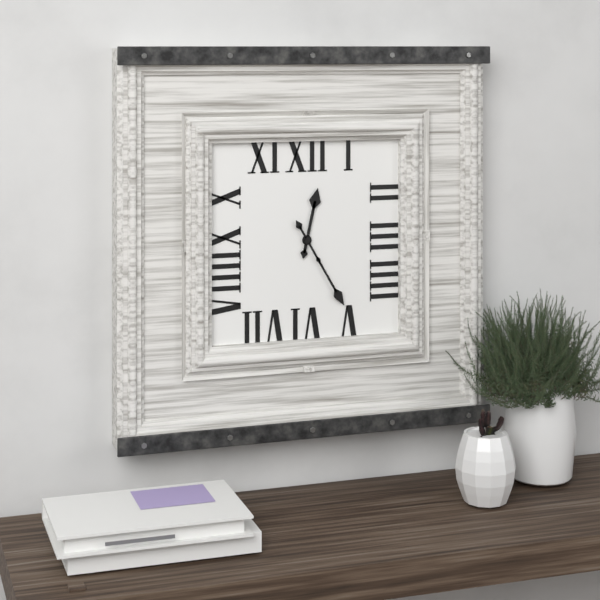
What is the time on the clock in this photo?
12:25
